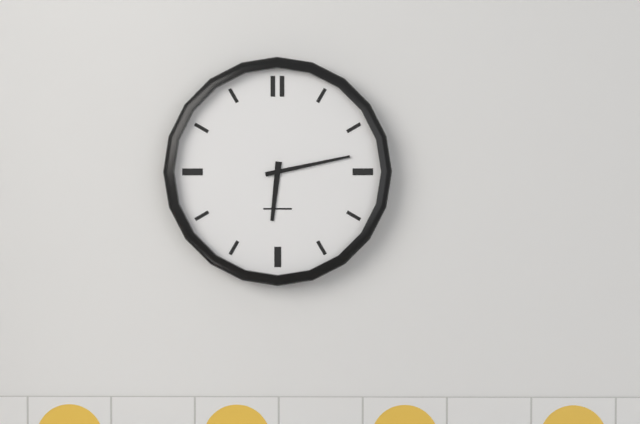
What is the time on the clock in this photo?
6:13
